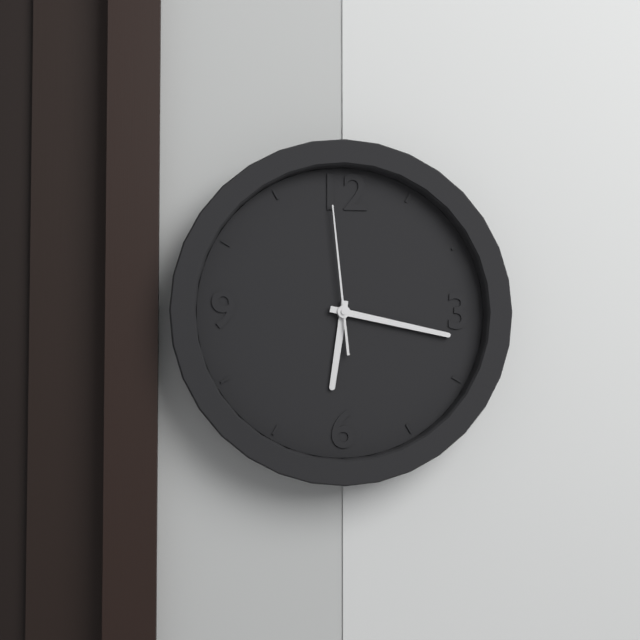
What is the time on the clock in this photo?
6:17:59
